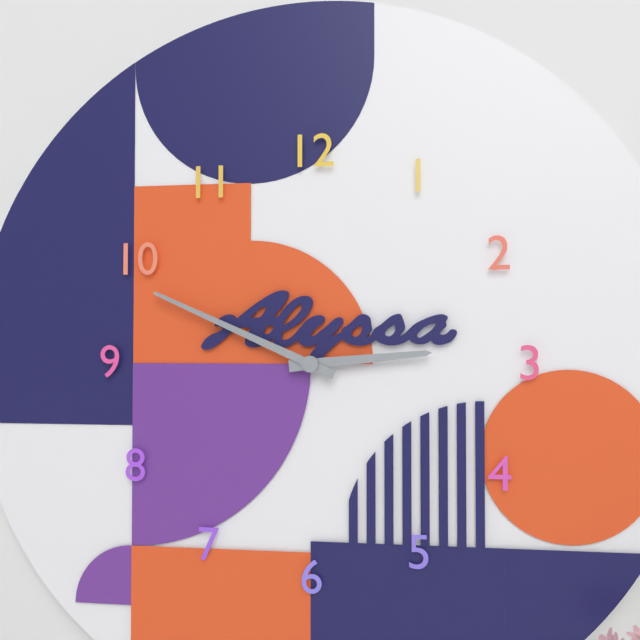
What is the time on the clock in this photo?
2:49
